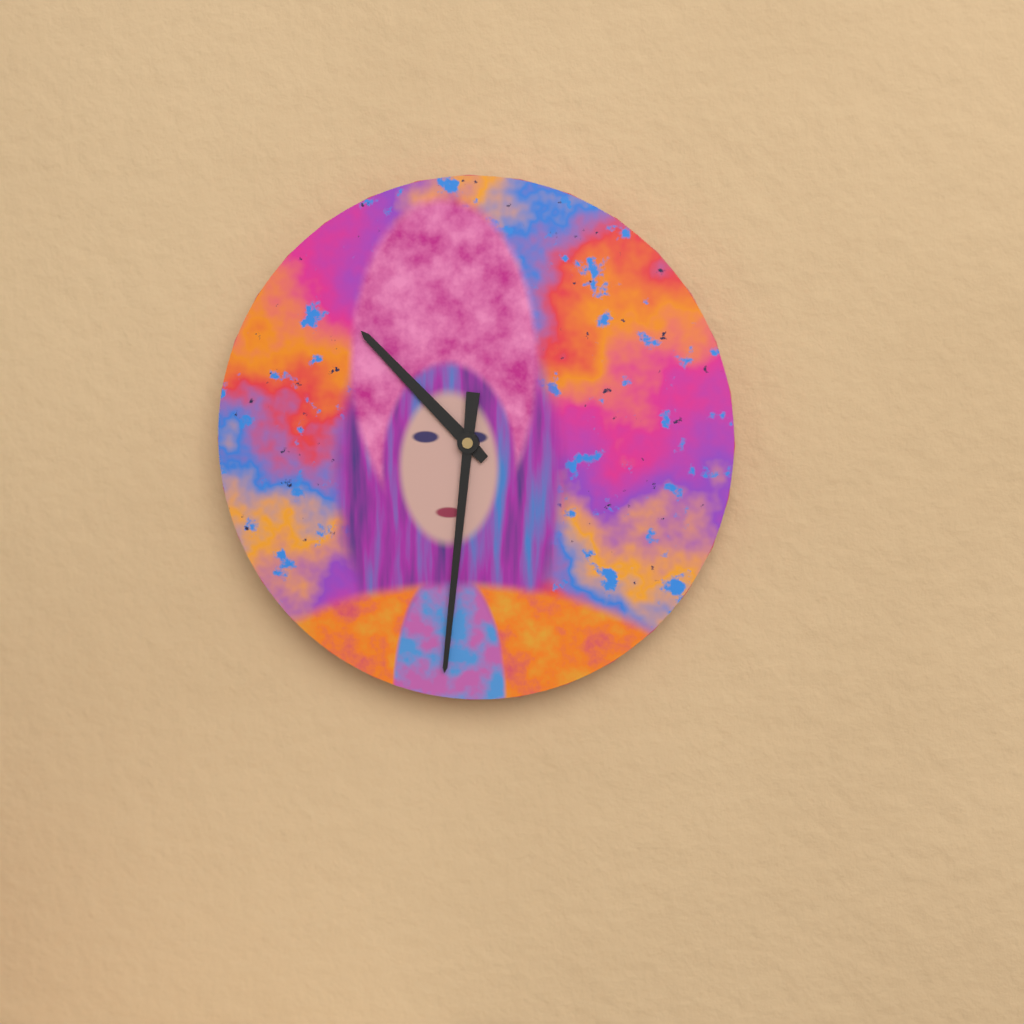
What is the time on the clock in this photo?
10:31
